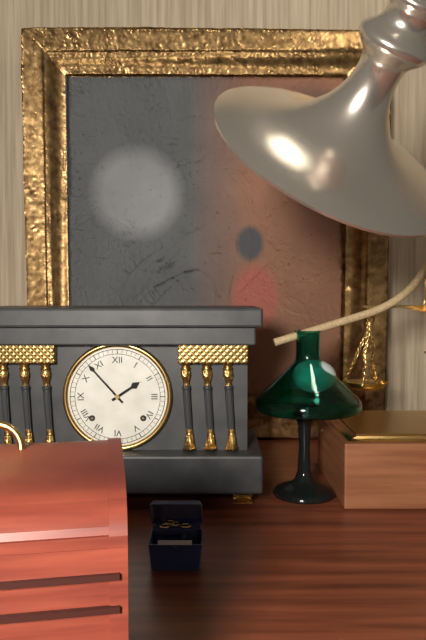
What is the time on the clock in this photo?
1:53
